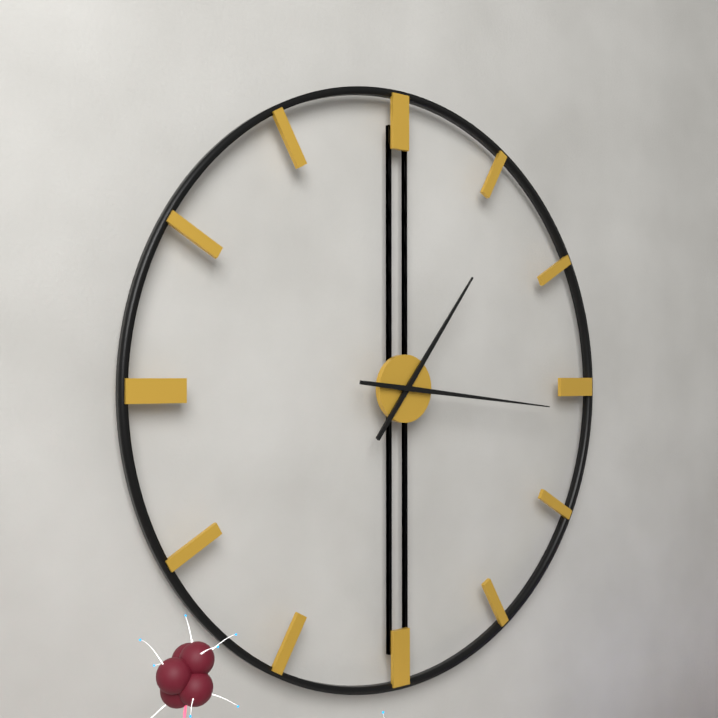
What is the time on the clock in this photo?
1:16
